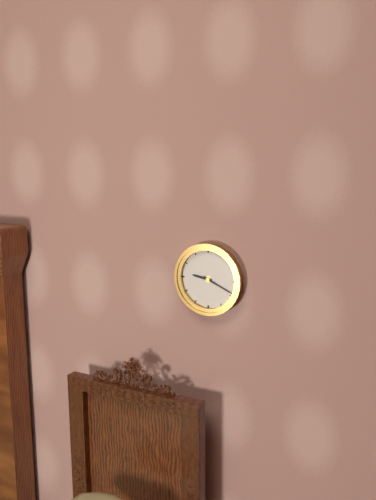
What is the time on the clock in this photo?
9:19
